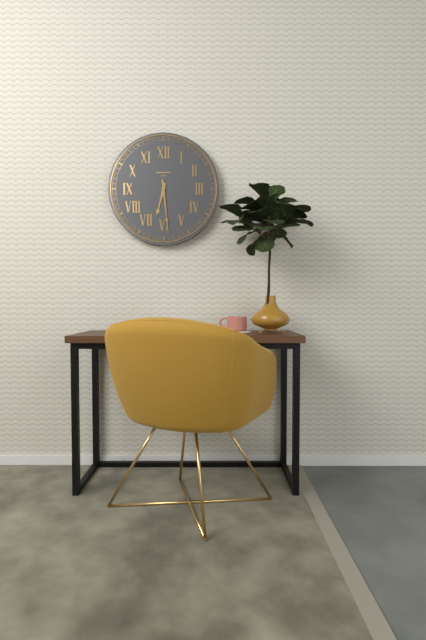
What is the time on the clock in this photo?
6:29
